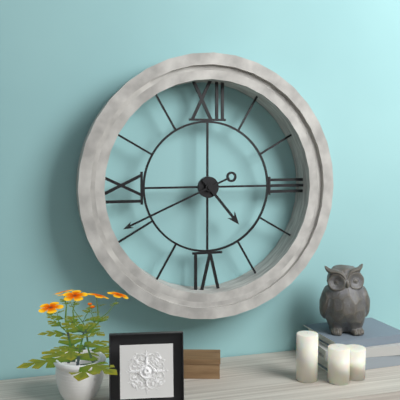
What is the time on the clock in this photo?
4:41
